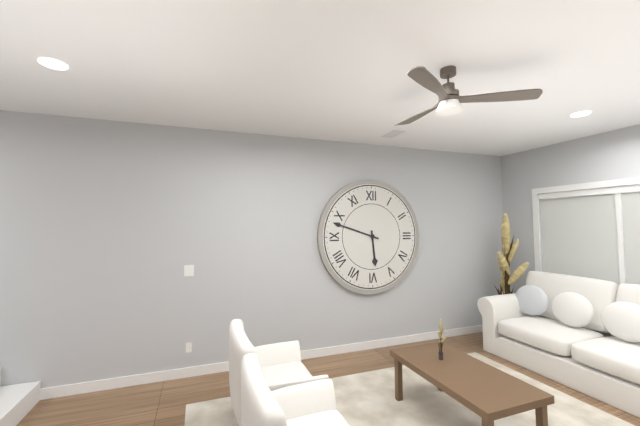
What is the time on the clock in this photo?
5:48
